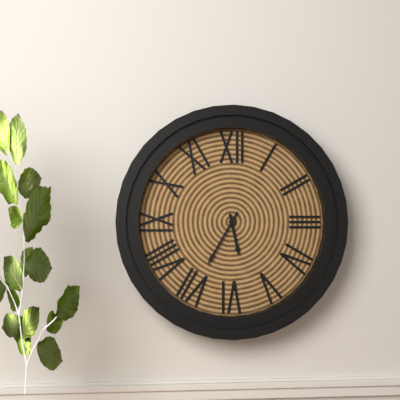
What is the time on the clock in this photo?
5:35
